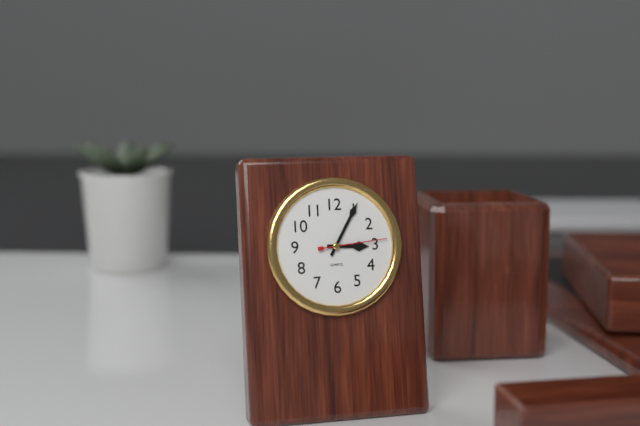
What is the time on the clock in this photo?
3:05:14
